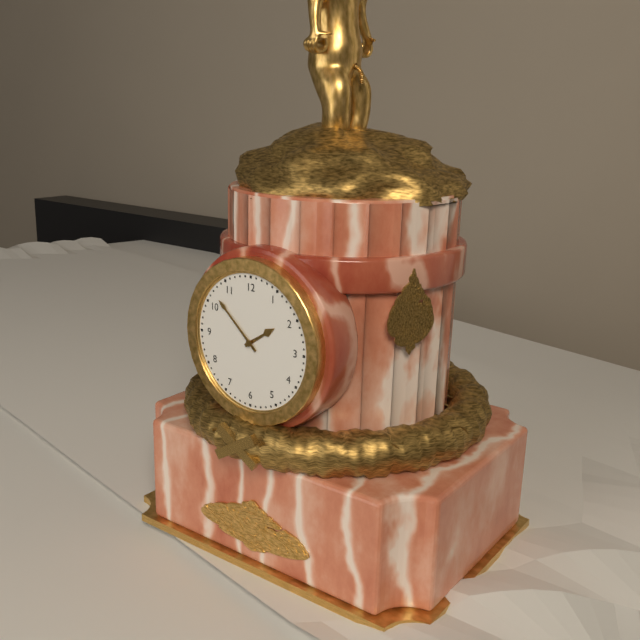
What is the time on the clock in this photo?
1:52
